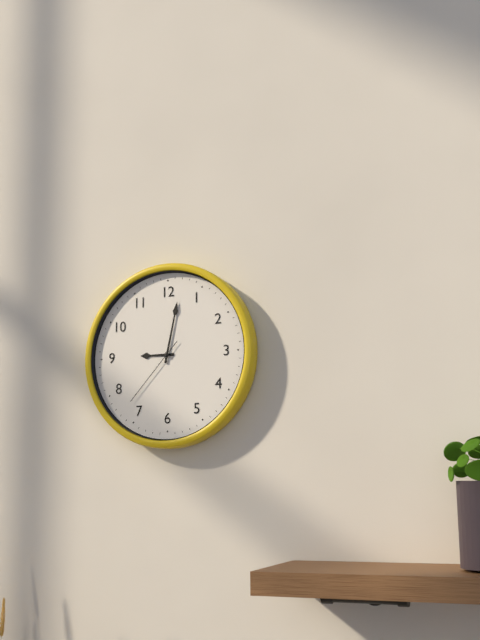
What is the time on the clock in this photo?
9:02:37
